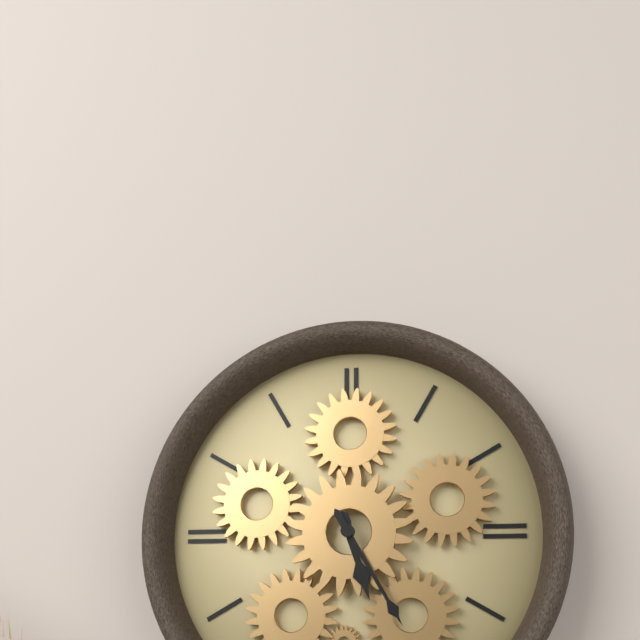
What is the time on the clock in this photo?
5:25
